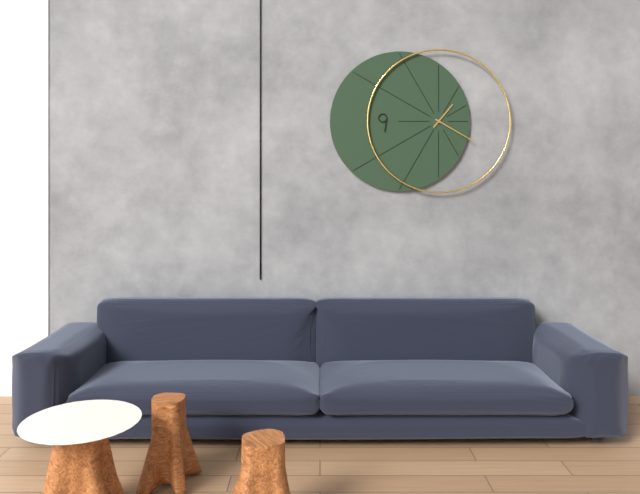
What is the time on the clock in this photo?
1:20
